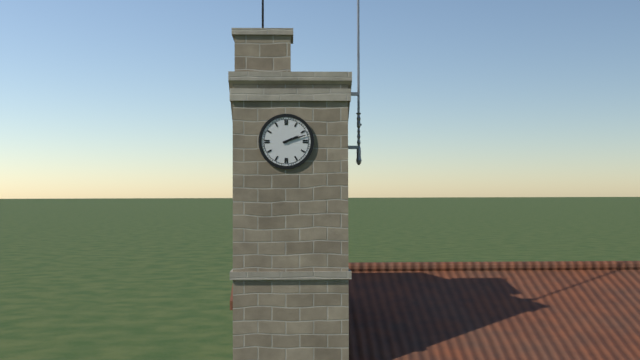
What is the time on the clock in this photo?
2:12
